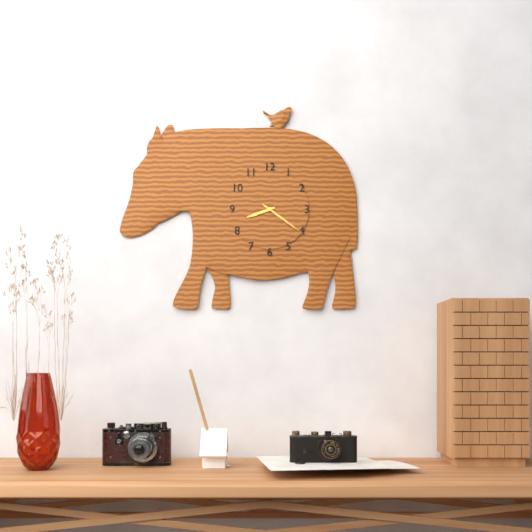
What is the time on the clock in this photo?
8:21:21
